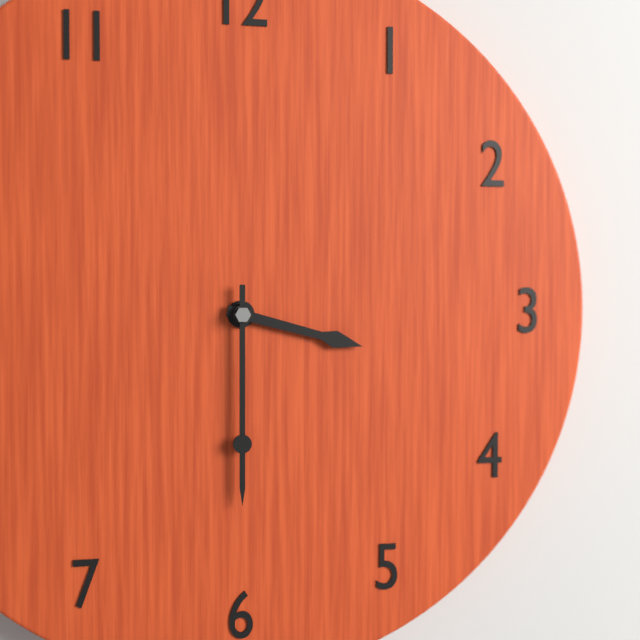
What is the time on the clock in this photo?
3:30
